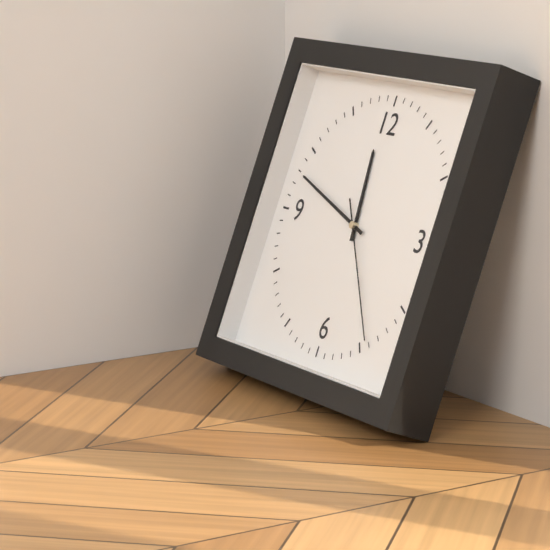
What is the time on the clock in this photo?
11:48:24
